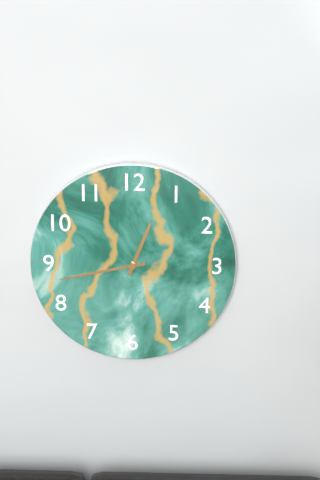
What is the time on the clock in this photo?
12:43
